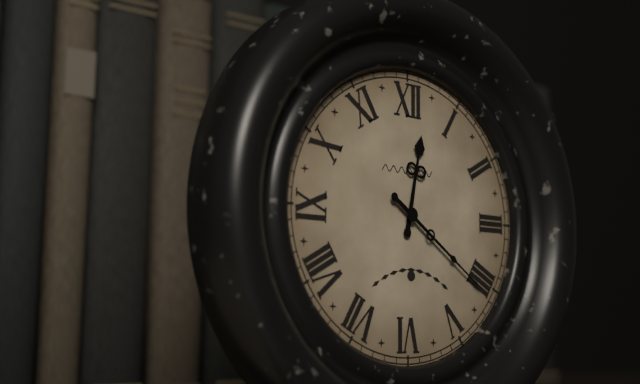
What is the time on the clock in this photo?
12:21
